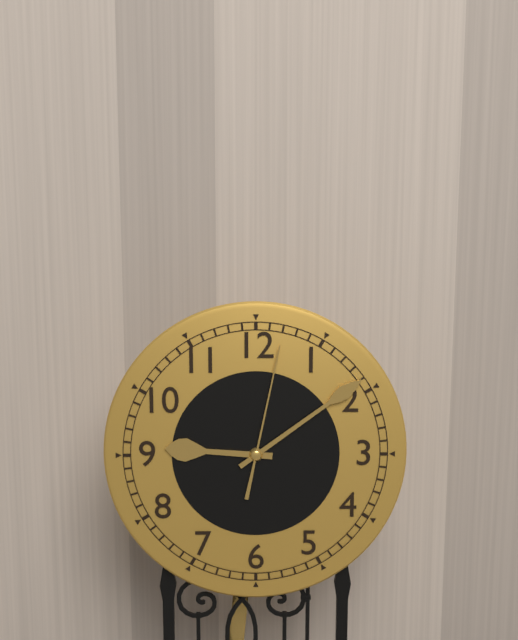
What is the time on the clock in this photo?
9:09:02
